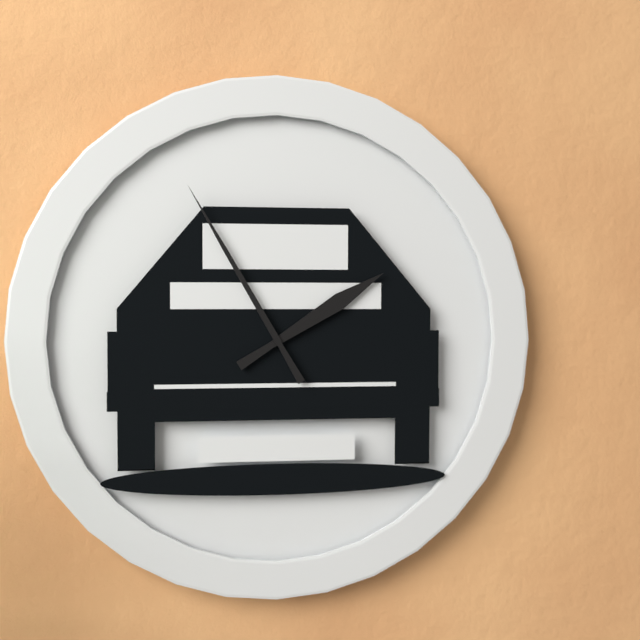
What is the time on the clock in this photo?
1:55
